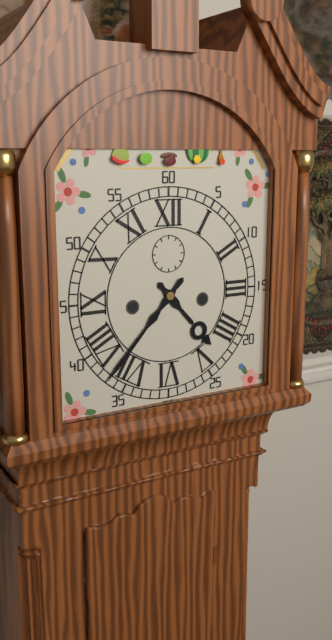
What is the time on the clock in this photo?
4:37
